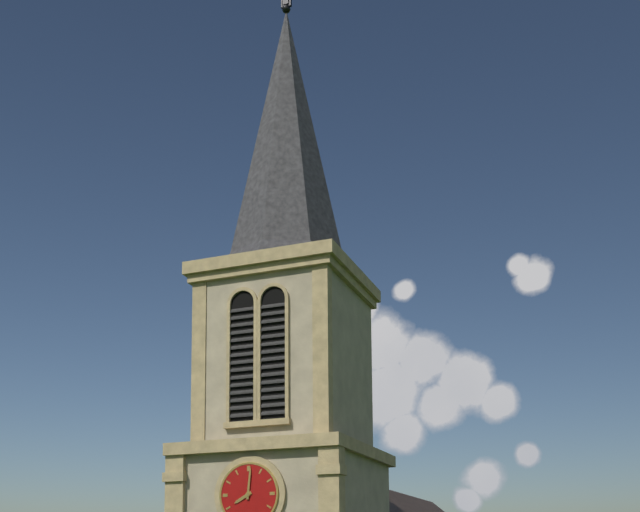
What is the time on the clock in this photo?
8:01
